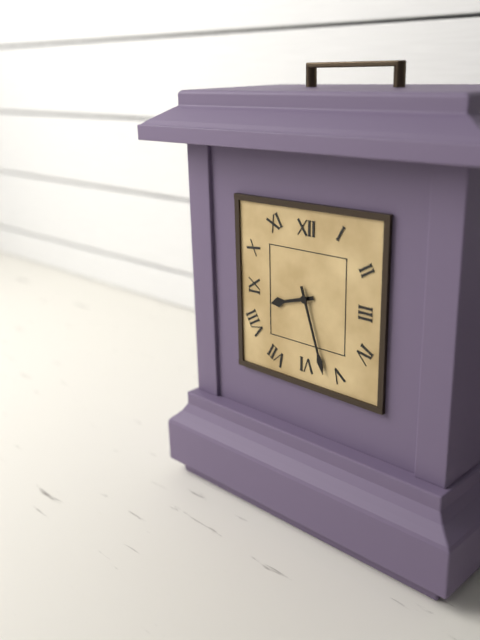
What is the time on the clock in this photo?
8:27
